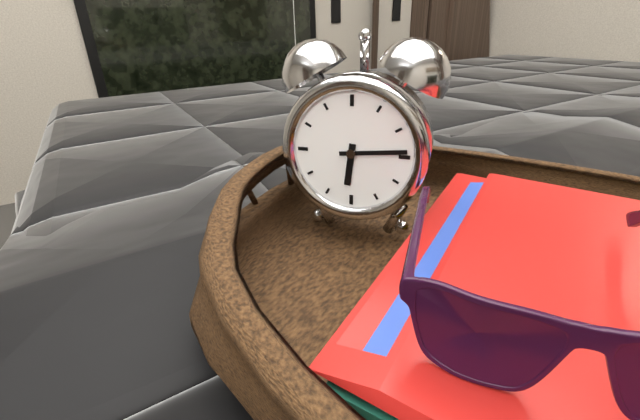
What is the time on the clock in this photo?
6:14
